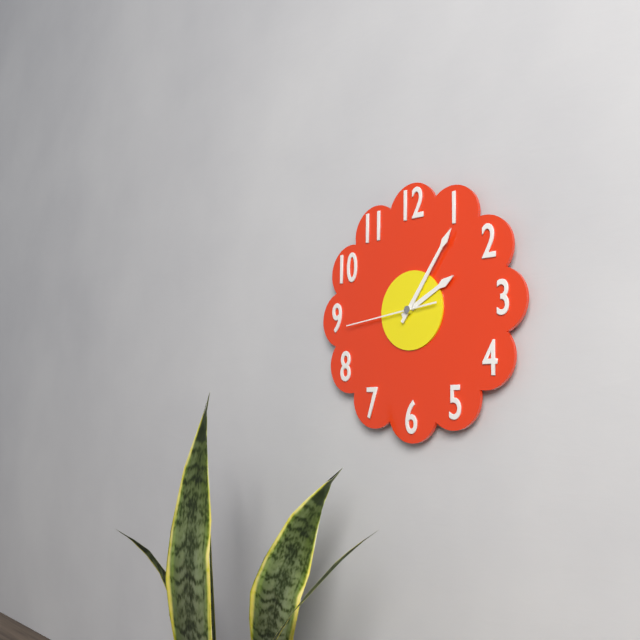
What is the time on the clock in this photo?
2:06:44
